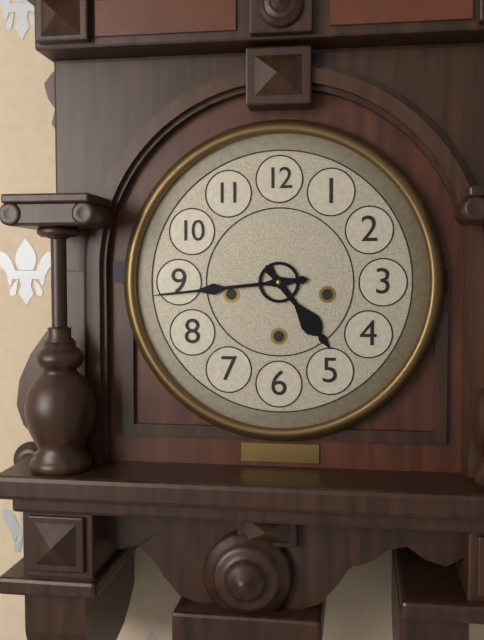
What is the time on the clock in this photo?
4:44
